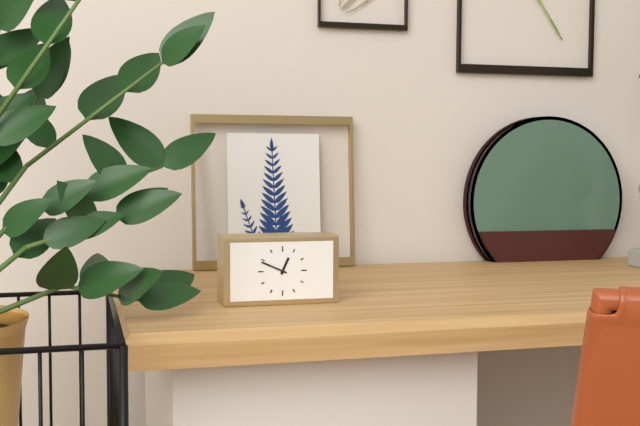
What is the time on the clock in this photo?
12:49
